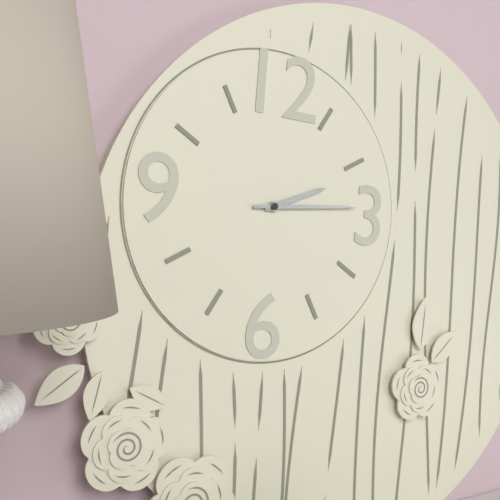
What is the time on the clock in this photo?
2:14
